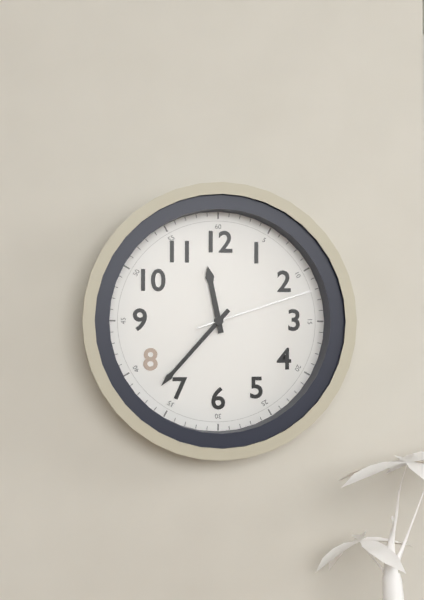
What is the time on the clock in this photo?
11:37:12
